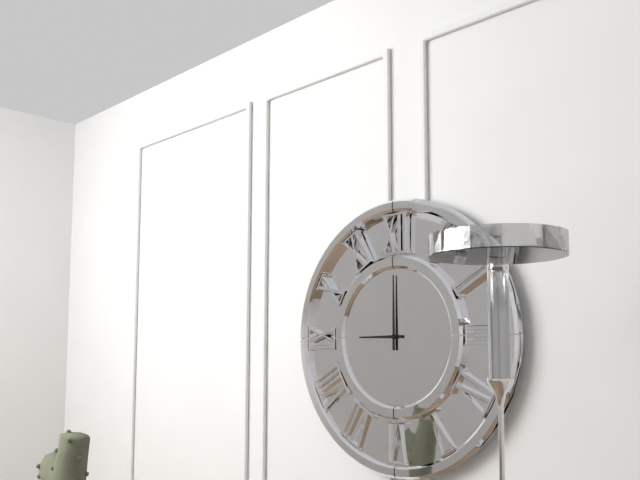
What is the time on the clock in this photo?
9:00
